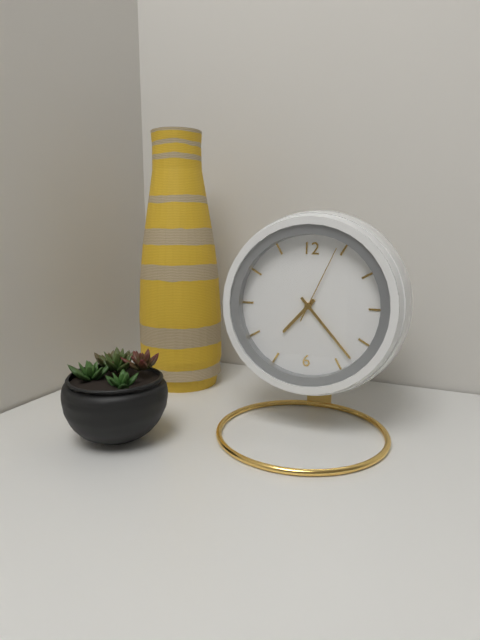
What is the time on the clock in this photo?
7:23:04
